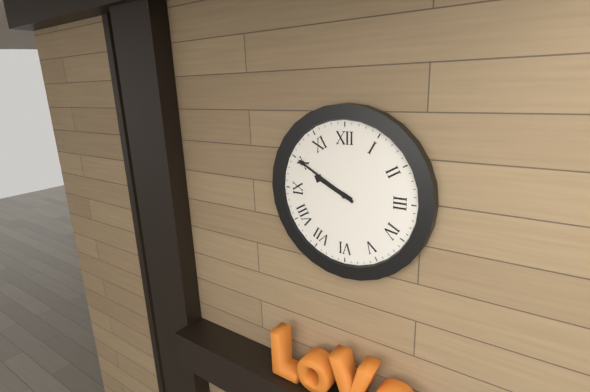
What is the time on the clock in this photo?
9:50
